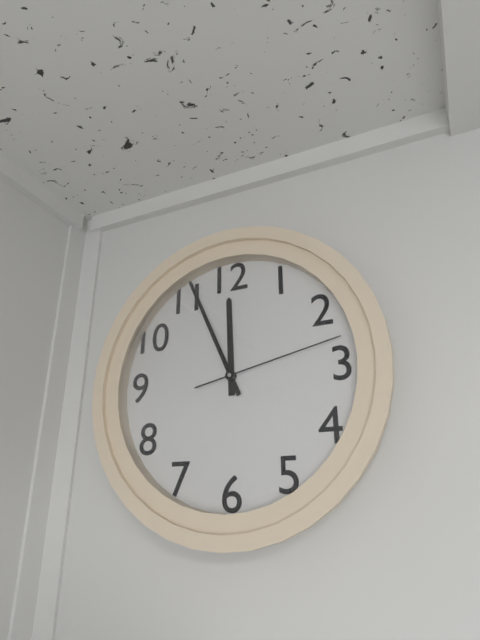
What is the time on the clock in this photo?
11:56:13
